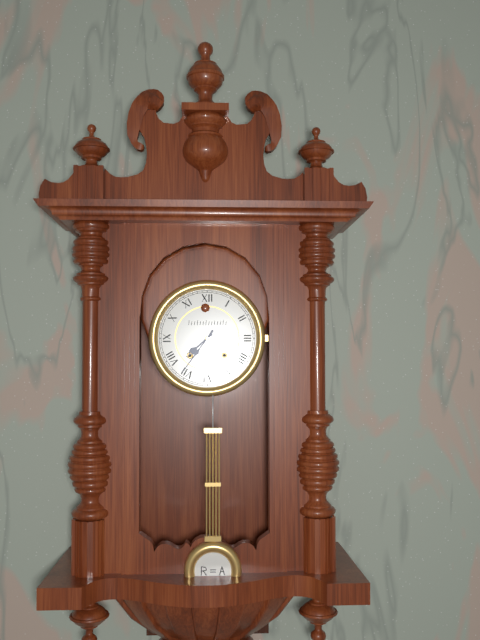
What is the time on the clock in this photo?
7:36
